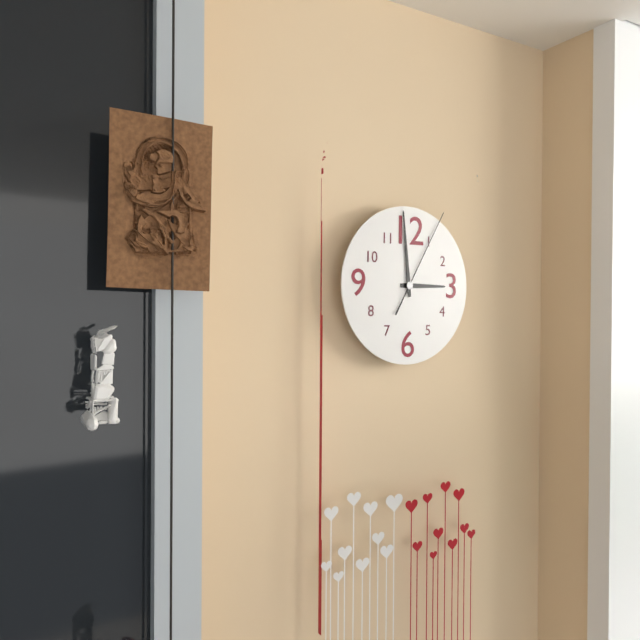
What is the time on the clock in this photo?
2:59:05
